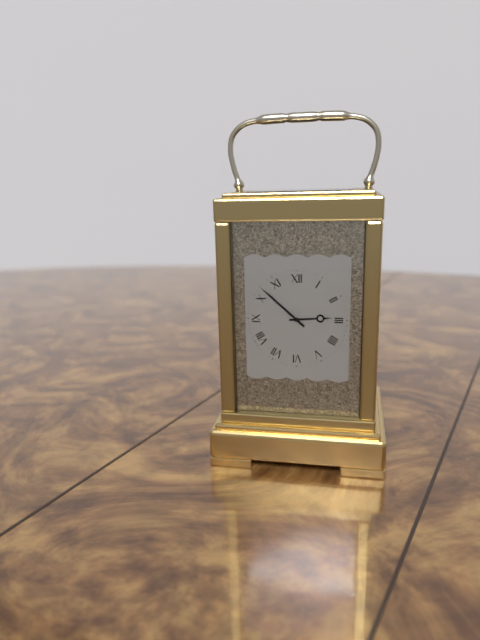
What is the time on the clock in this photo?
2:52
